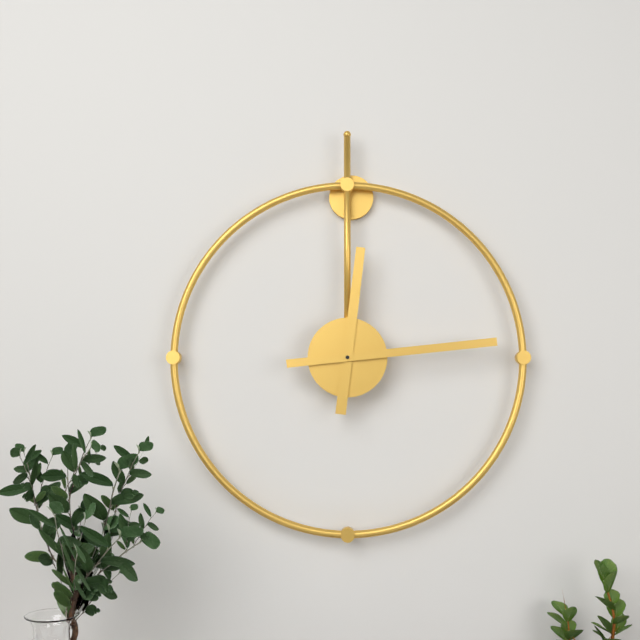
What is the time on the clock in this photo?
12:14
